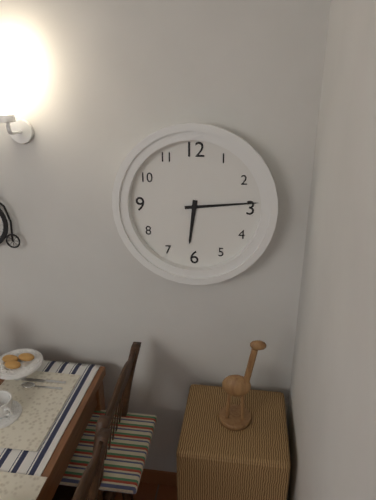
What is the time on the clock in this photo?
6:14
